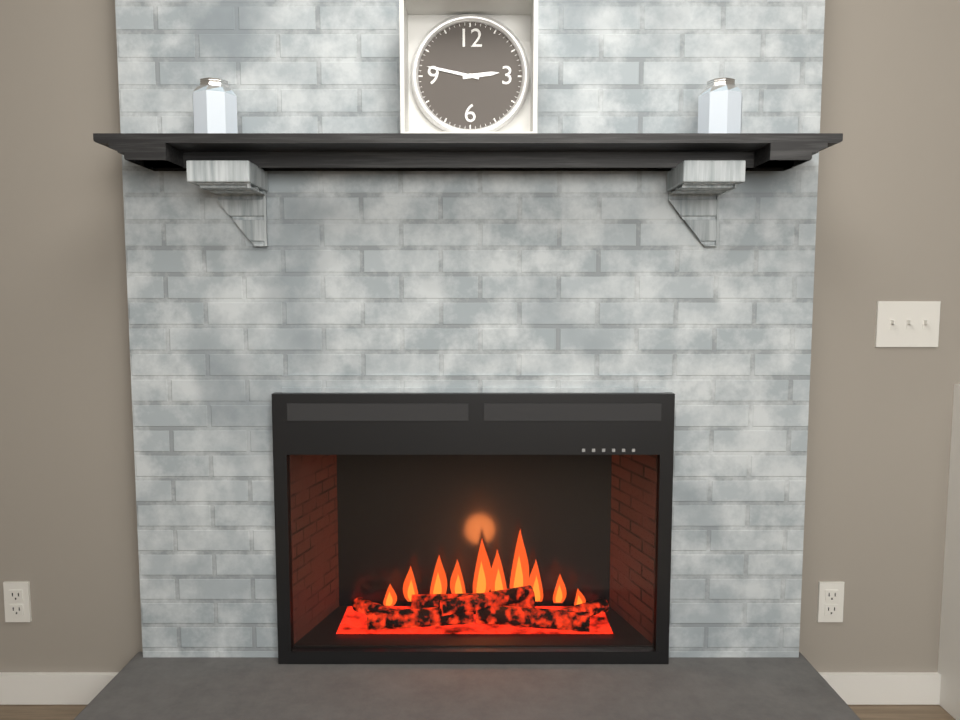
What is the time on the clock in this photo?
2:47
